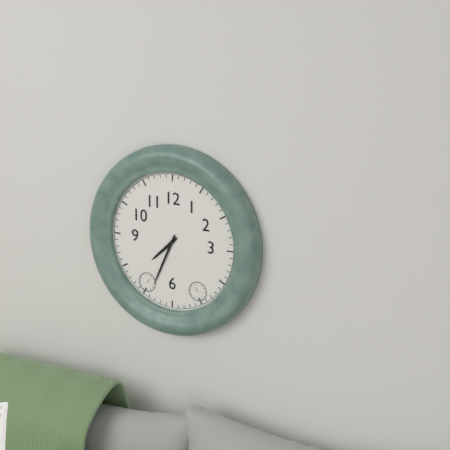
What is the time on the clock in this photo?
7:34
